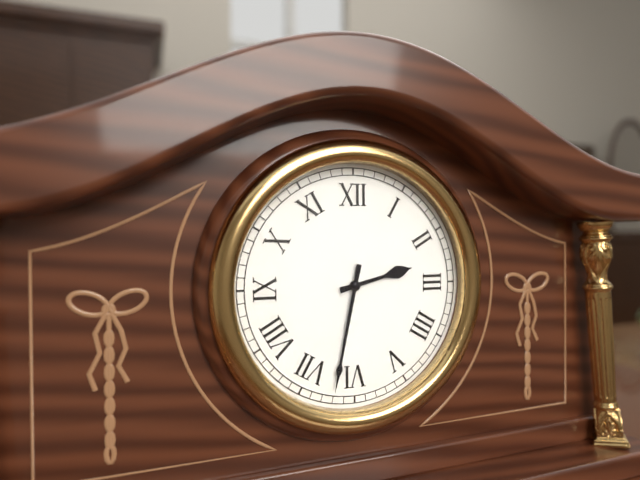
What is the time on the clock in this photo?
2:32
